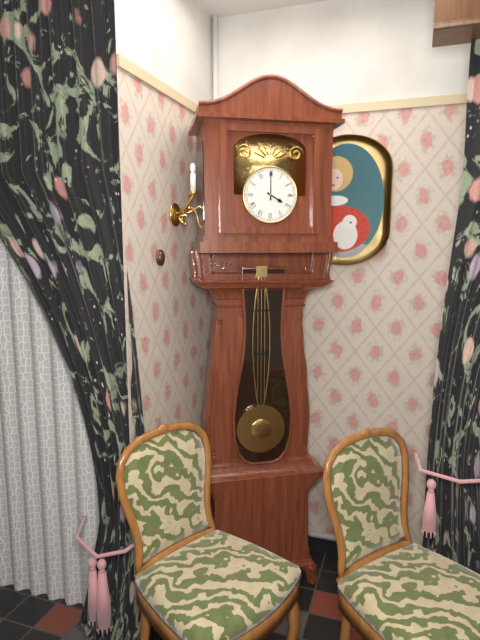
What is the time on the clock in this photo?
4:00
